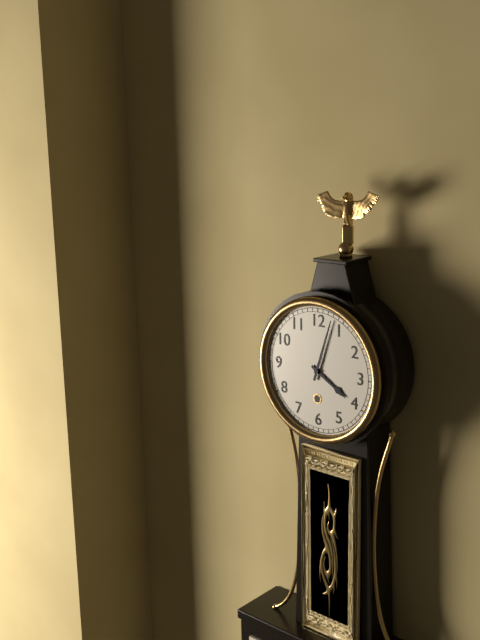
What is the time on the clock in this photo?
4:03
